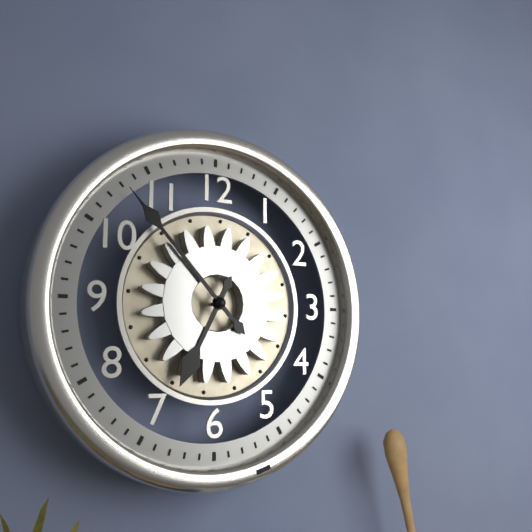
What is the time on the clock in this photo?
6:53
